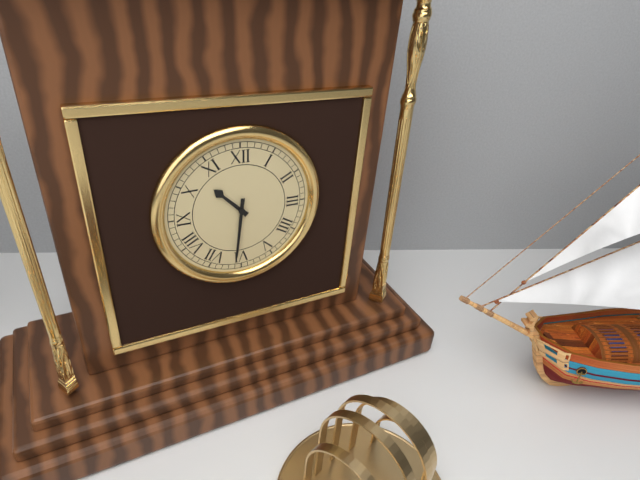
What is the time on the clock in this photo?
10:31
